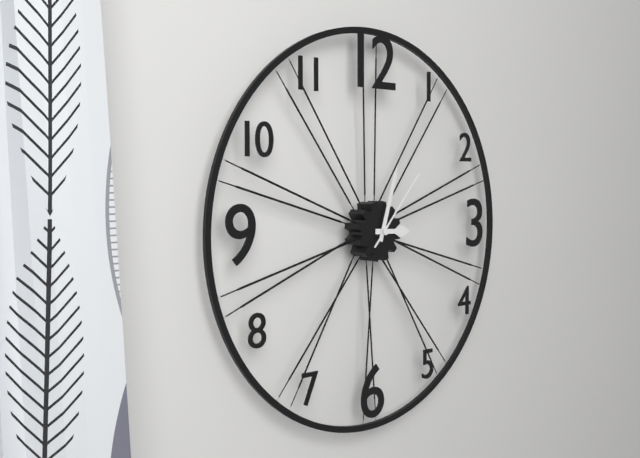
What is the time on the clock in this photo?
3:03:07
